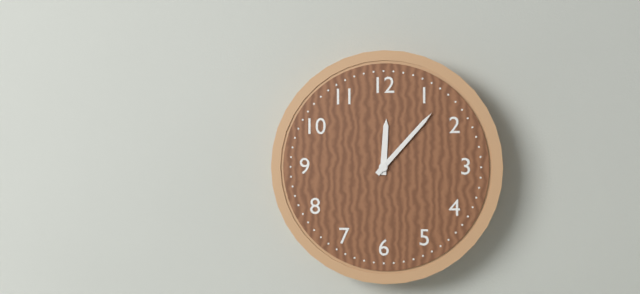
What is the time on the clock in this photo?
12:07
